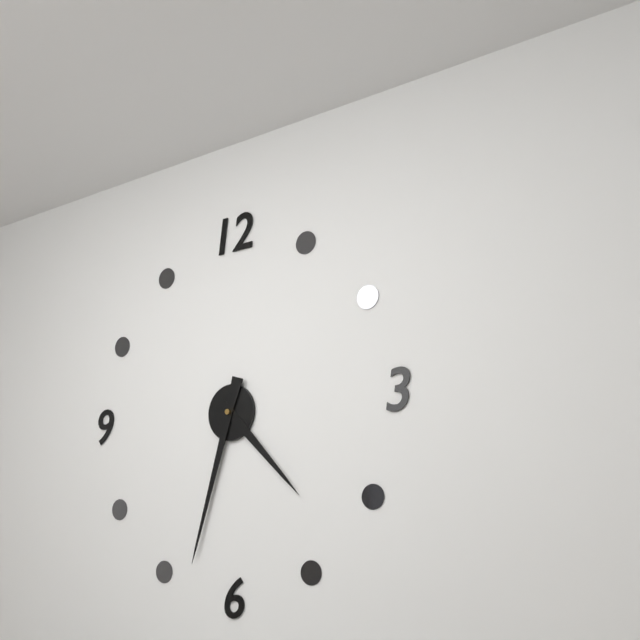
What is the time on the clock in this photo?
4:33
